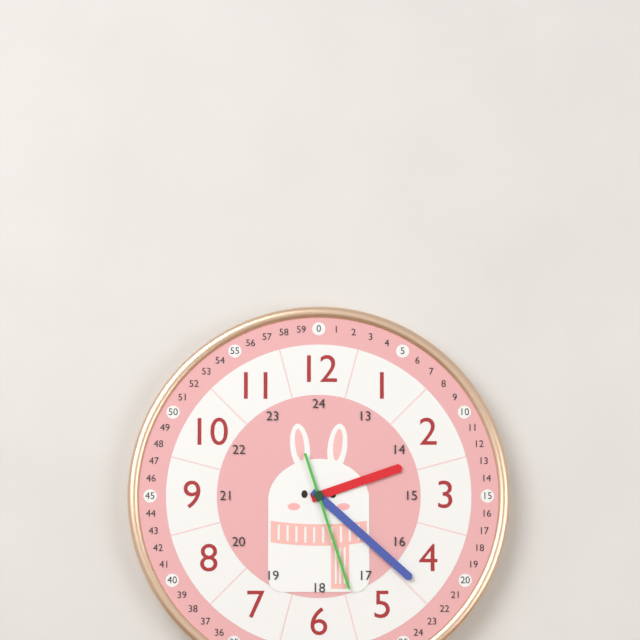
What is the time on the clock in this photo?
2:22:27
